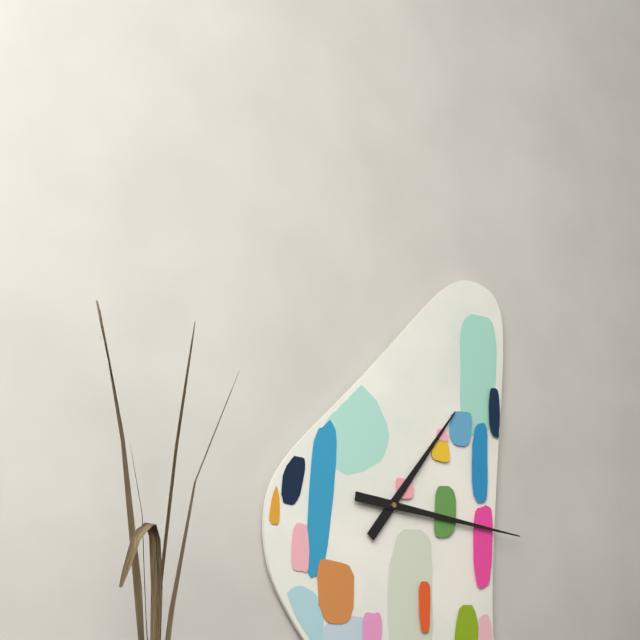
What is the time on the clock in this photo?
1:16
